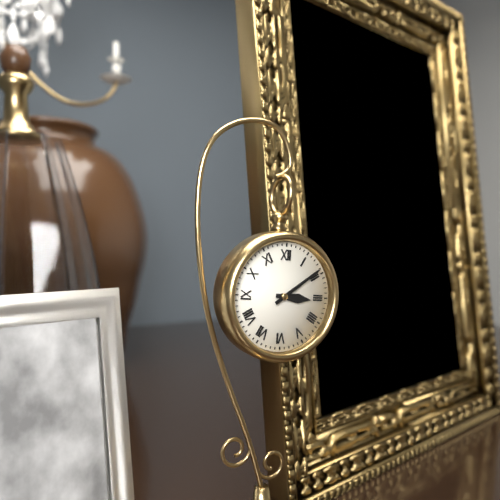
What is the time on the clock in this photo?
3:09
